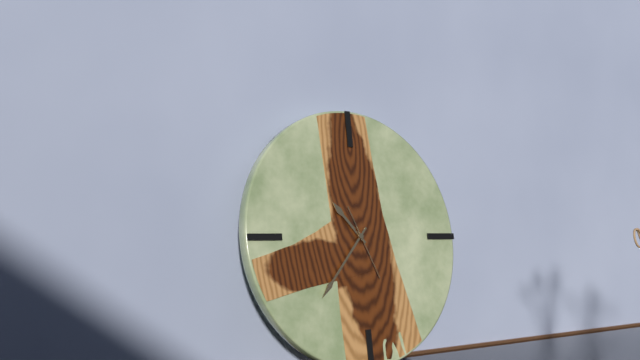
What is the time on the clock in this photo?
10:37:26
